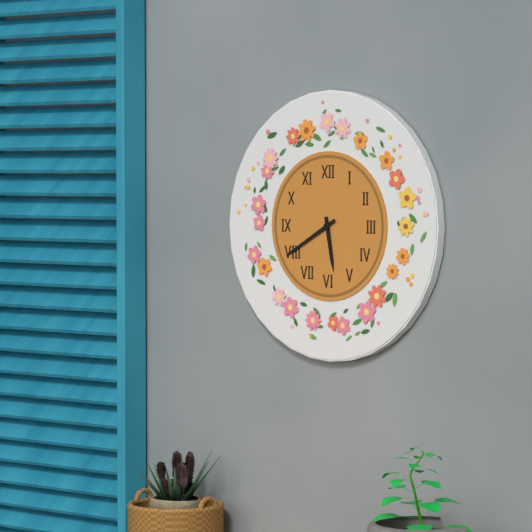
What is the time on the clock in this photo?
5:40
